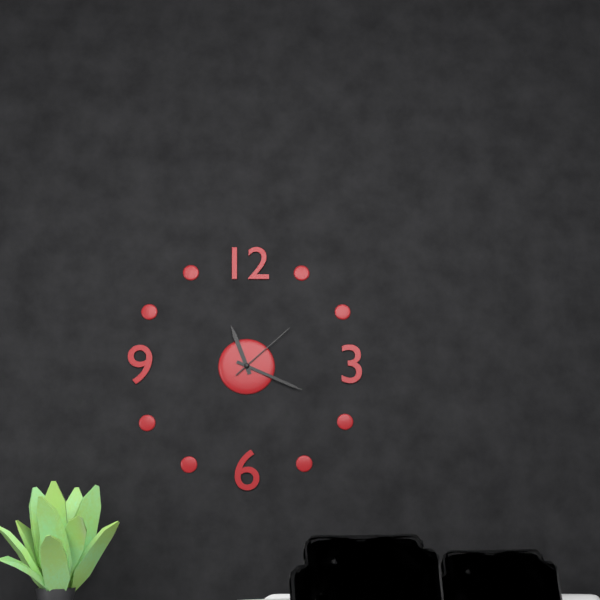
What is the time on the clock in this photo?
11:19:08
